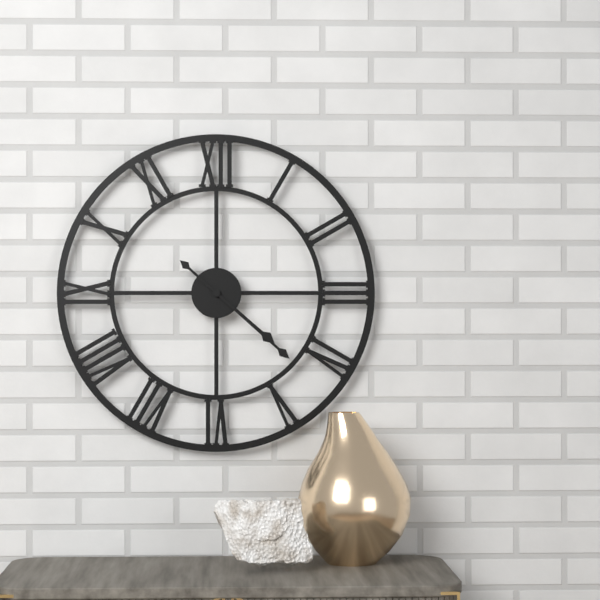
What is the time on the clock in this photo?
4:22
